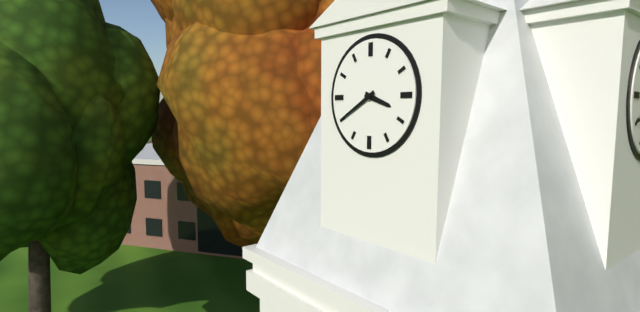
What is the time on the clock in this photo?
3:40
